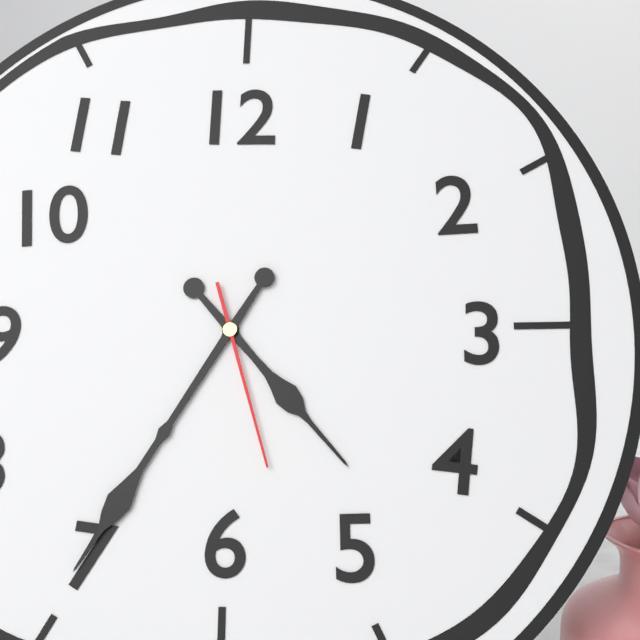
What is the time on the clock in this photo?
4:35:27
